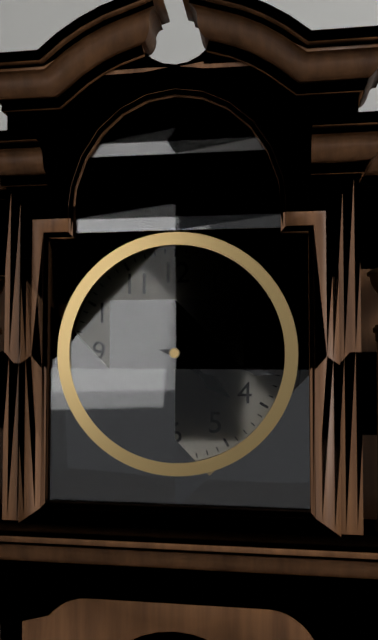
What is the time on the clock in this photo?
4:17
